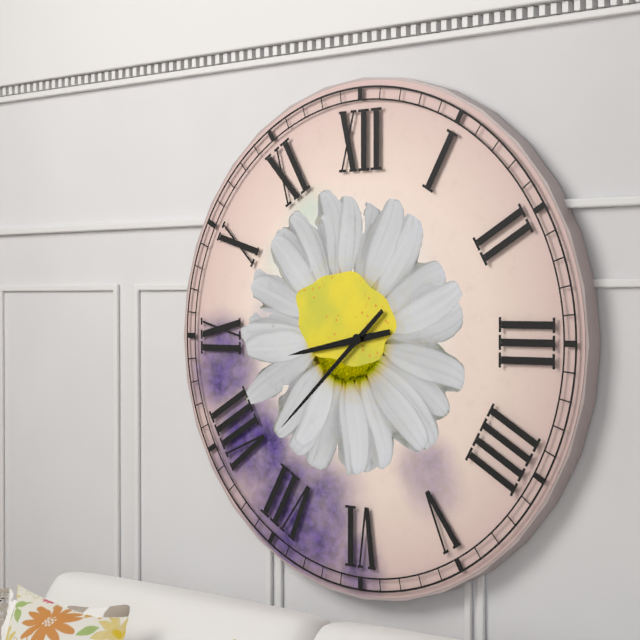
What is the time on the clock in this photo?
8:38
